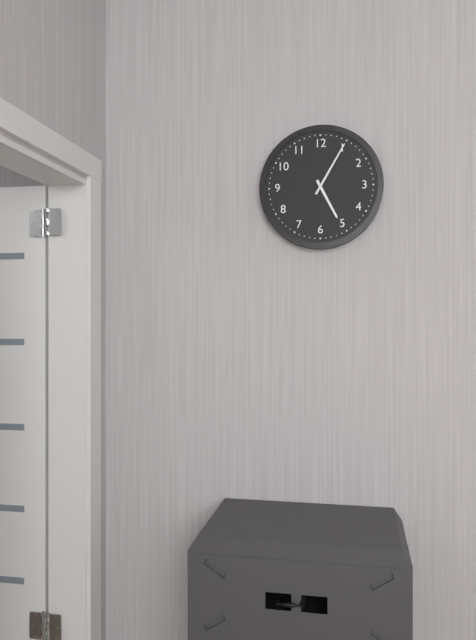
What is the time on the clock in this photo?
5:05
